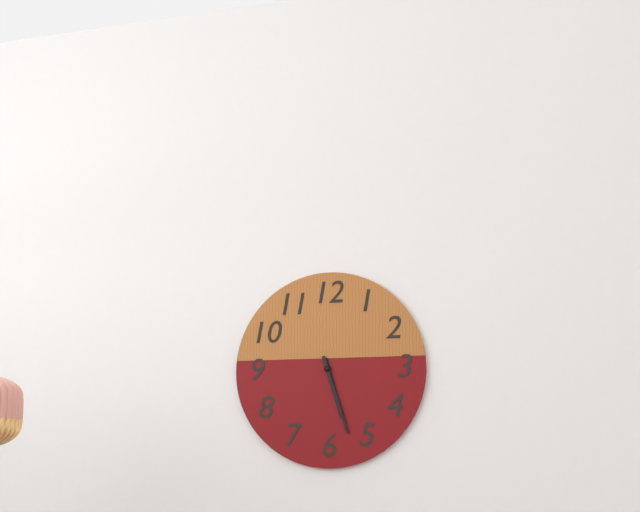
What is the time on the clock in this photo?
5:27
